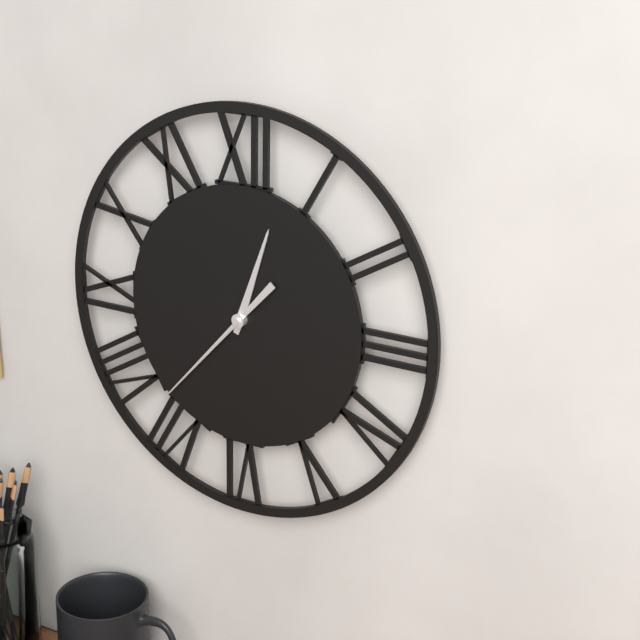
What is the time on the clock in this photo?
12:37
